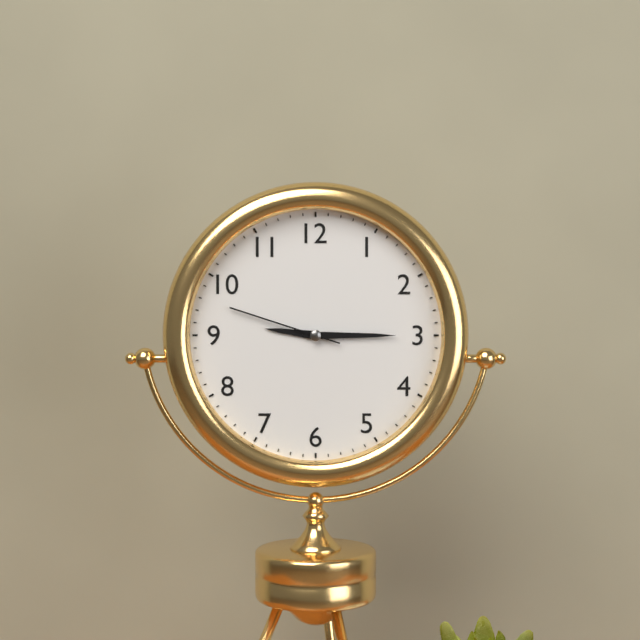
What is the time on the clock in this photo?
9:15:48
